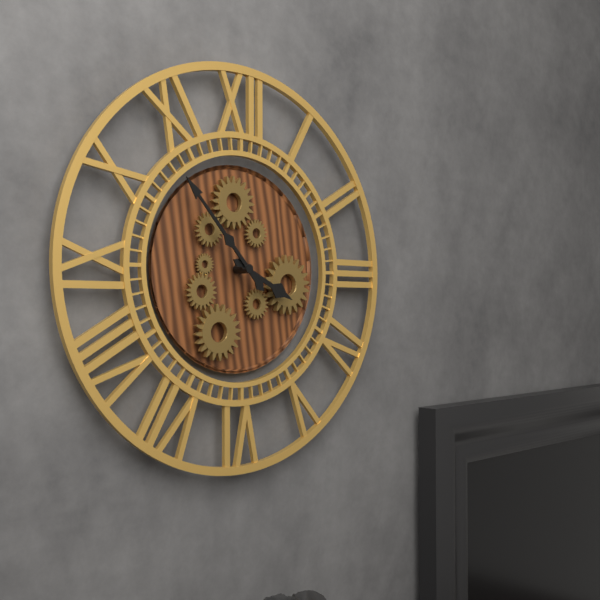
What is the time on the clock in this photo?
3:53
